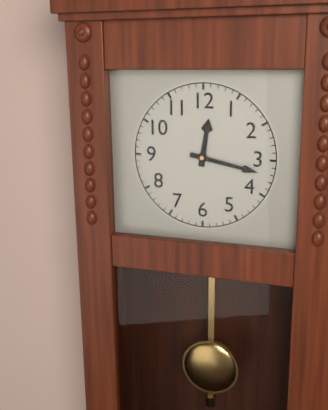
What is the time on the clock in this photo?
12:17
